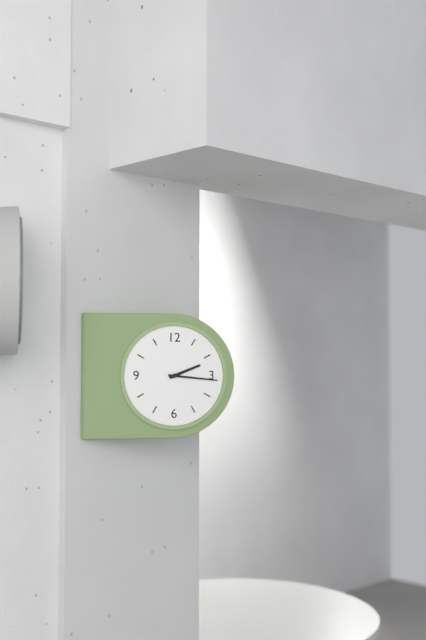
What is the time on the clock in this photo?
2:16
